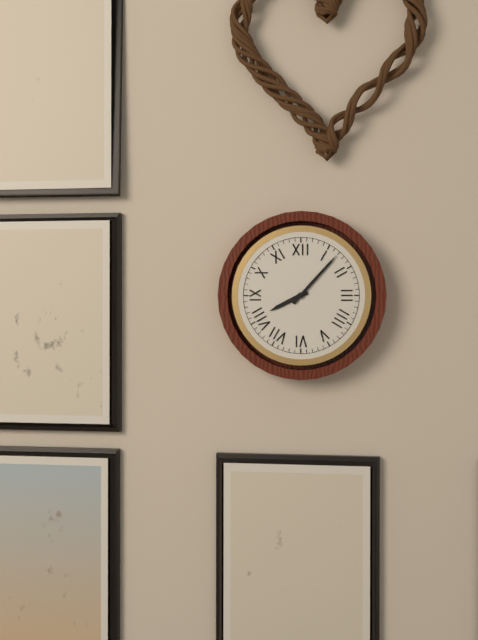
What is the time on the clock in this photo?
8:07
